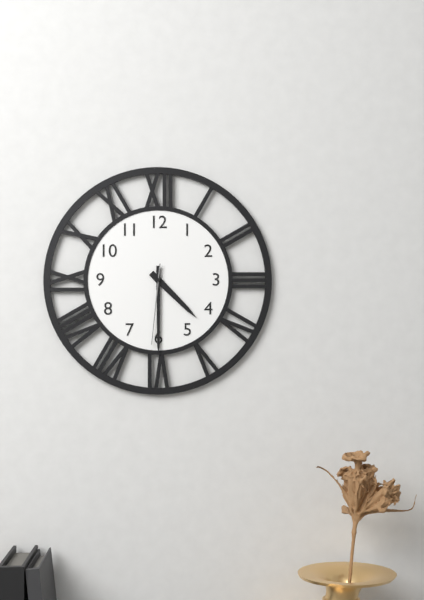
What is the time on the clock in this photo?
4:30:31
